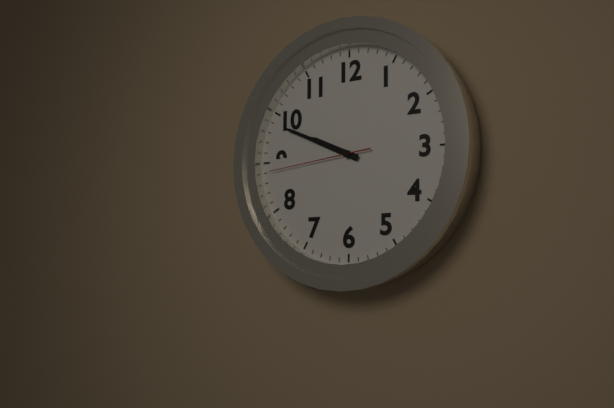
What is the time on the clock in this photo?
9:49:44
